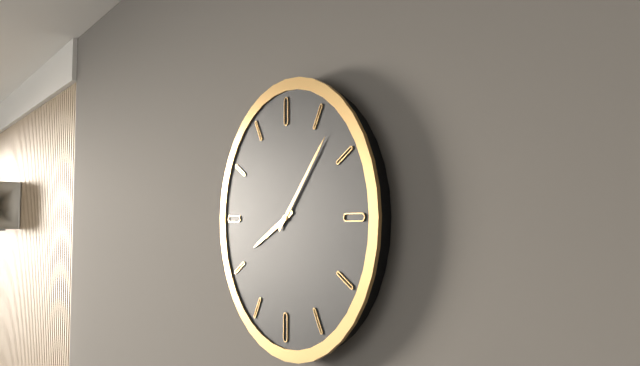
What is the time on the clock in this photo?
8:07
